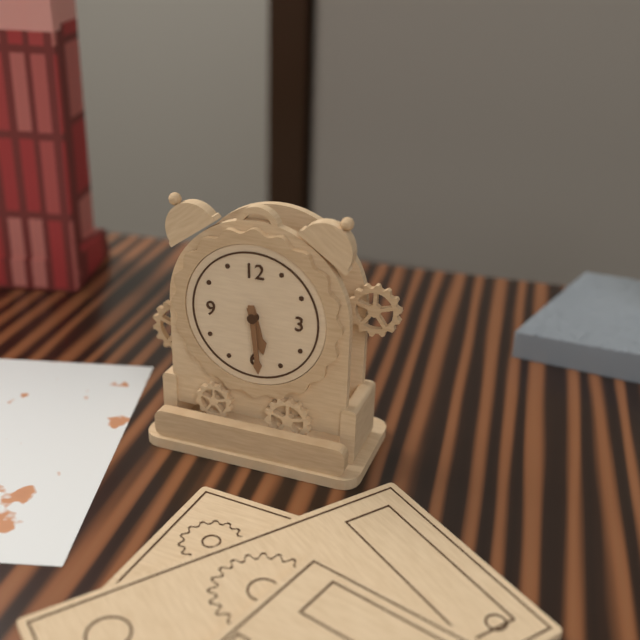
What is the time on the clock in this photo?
5:29
